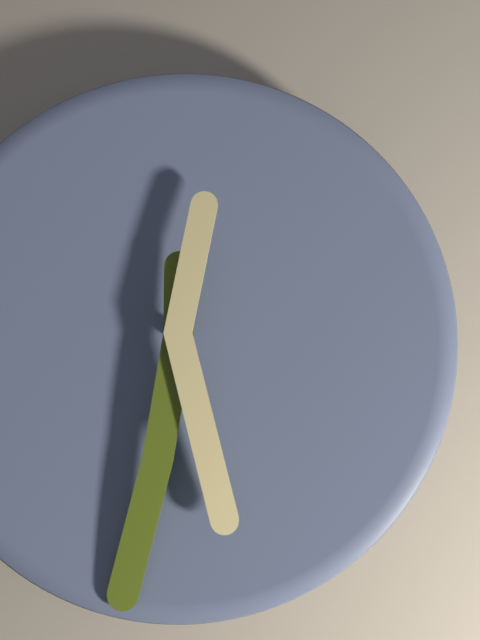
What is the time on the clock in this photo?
5:32
